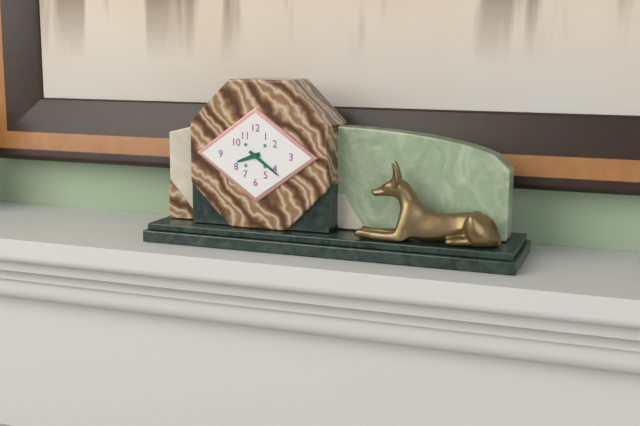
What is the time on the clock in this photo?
8:21
